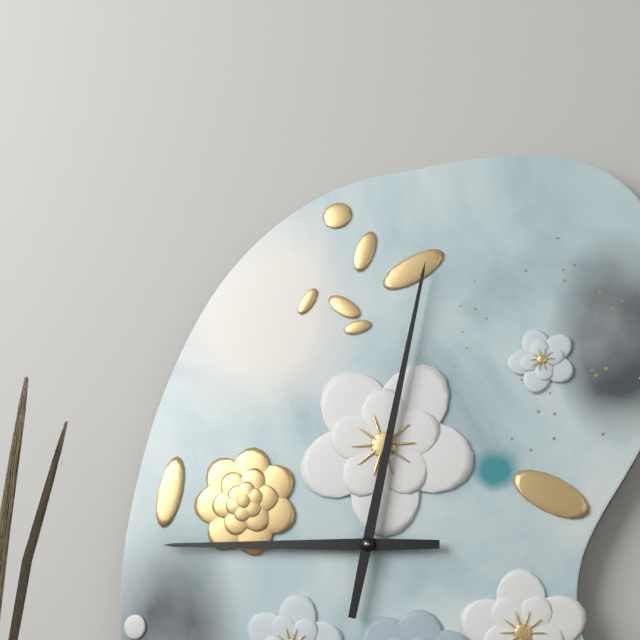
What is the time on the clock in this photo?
9:02
